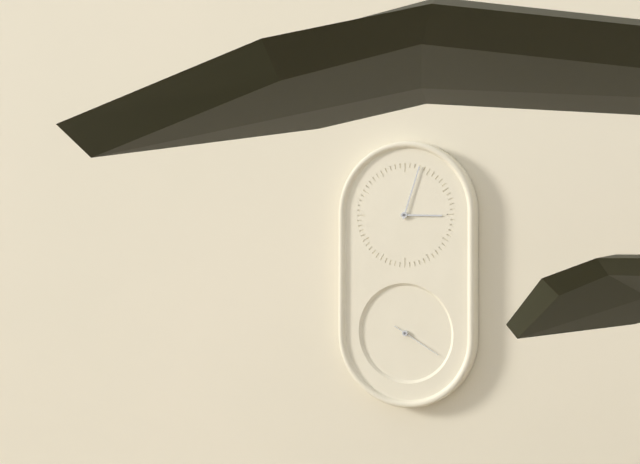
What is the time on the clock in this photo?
3:03
